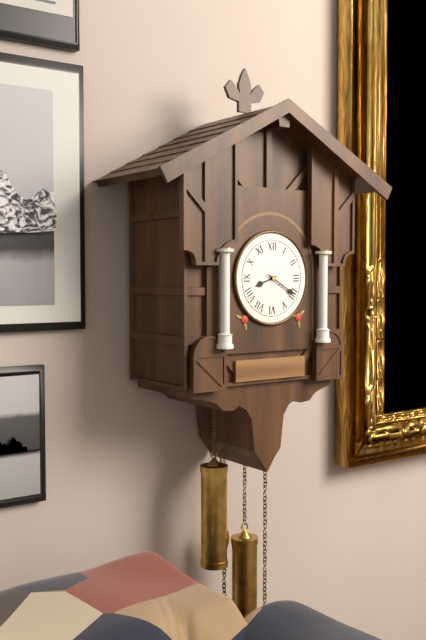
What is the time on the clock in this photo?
8:20
